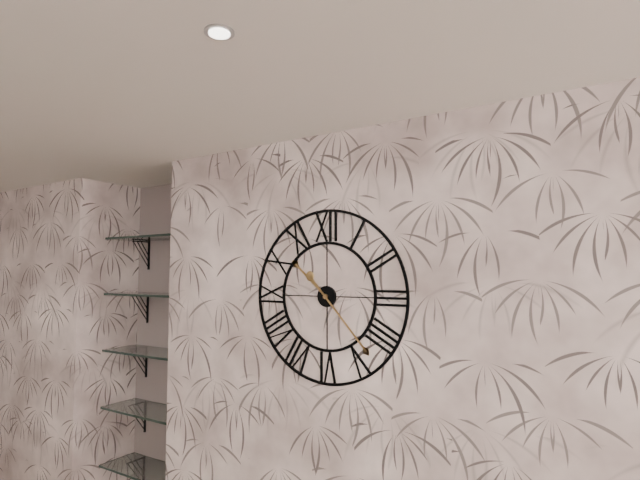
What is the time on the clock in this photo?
10:23
